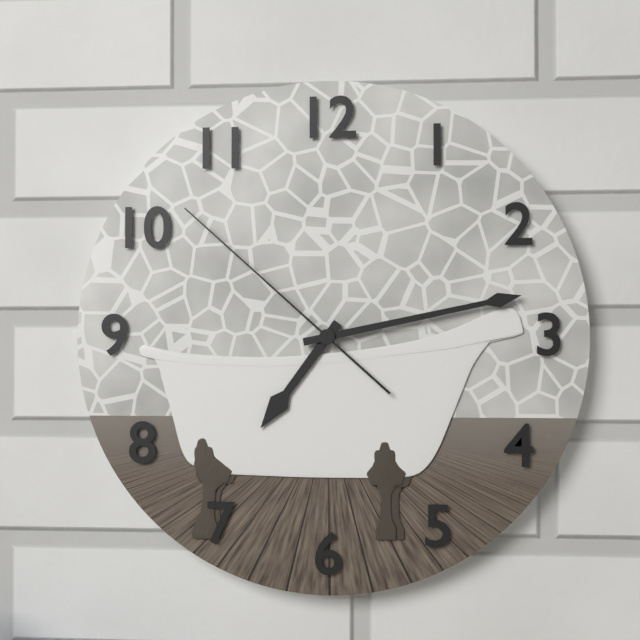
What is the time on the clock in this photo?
7:13:52
